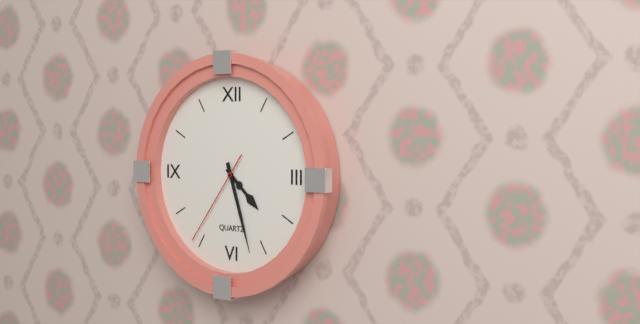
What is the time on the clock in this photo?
4:27:36
